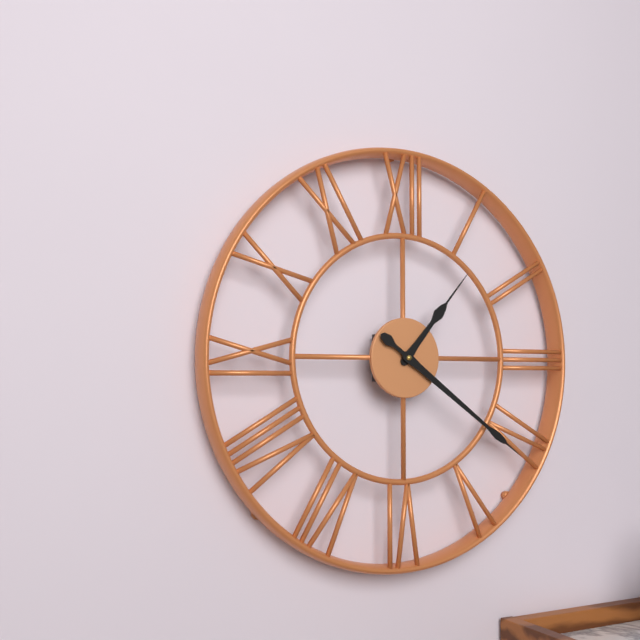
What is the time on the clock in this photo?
1:21
